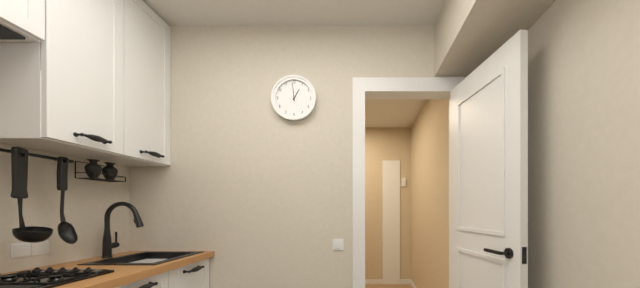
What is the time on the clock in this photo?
12:59
